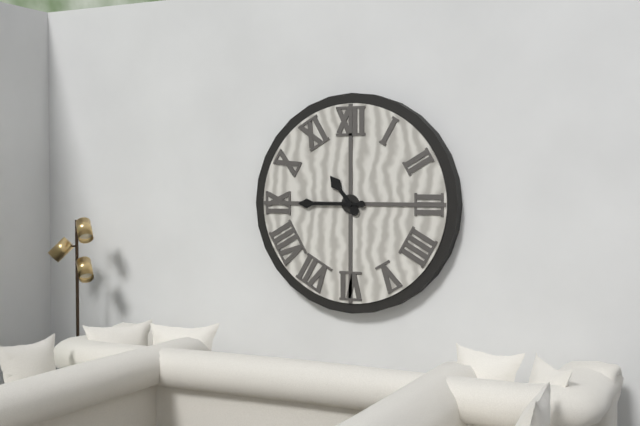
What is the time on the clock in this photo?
10:45
